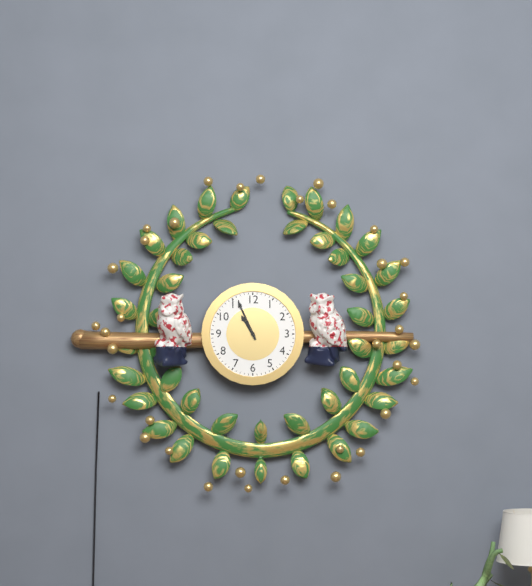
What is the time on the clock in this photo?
10:56
